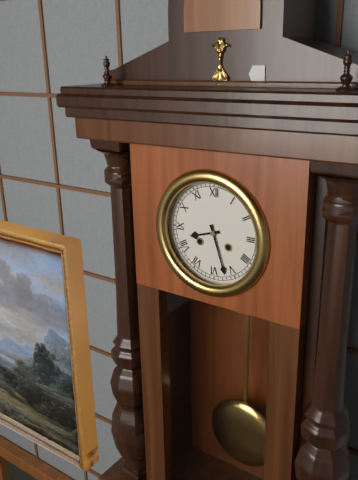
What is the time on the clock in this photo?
8:27
